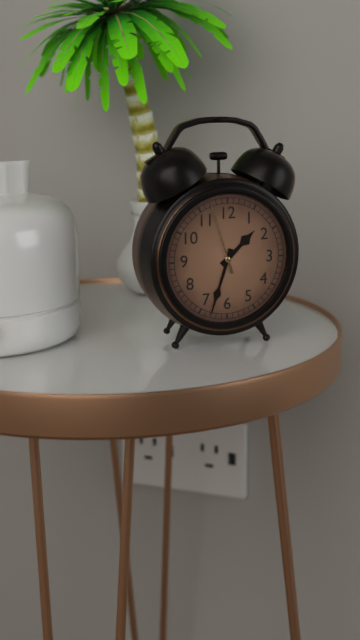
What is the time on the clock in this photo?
1:33:57
